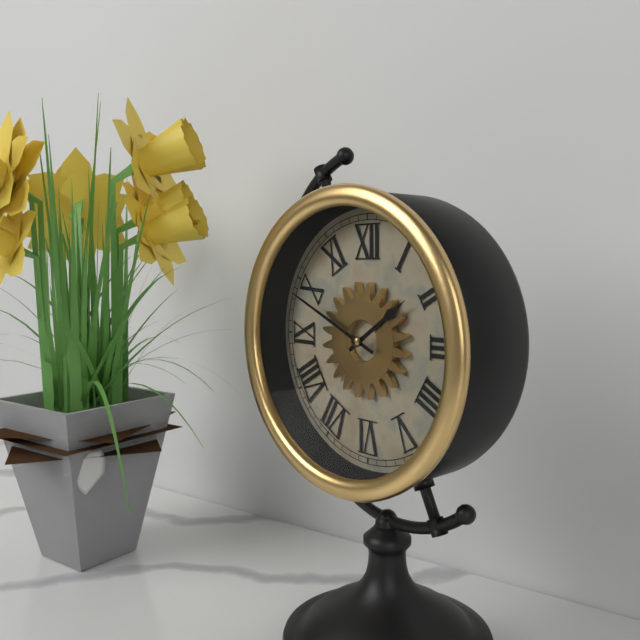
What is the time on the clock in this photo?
1:49
